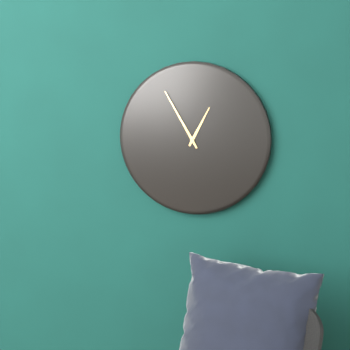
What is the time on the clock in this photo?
12:55
